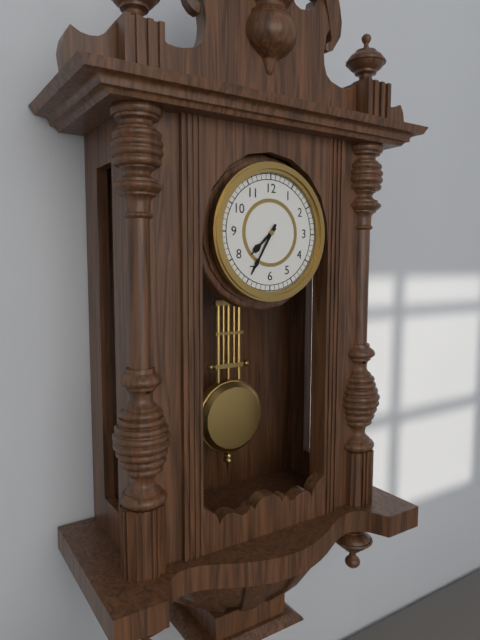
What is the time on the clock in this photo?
7:35
